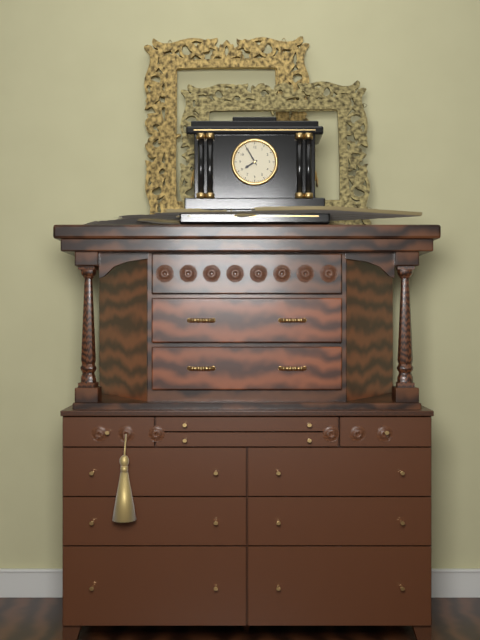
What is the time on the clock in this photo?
7:55
